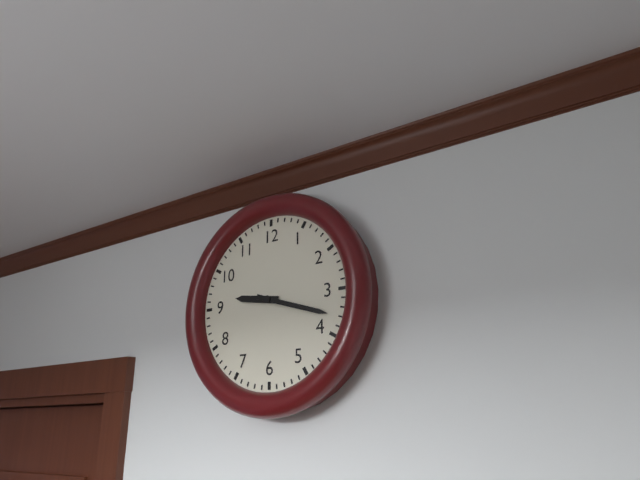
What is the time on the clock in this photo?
9:18
